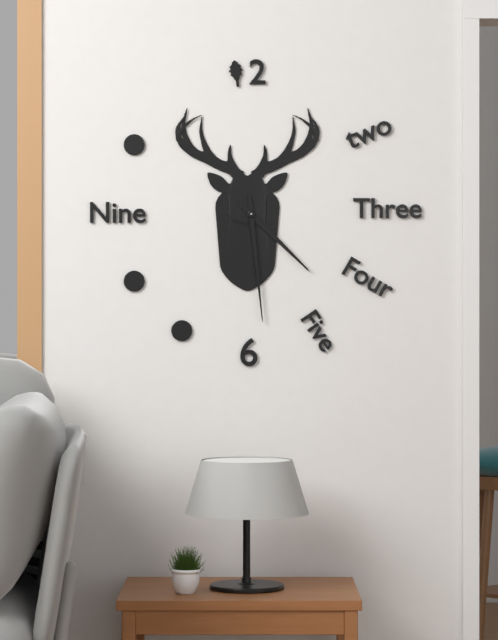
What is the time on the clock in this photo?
4:29
